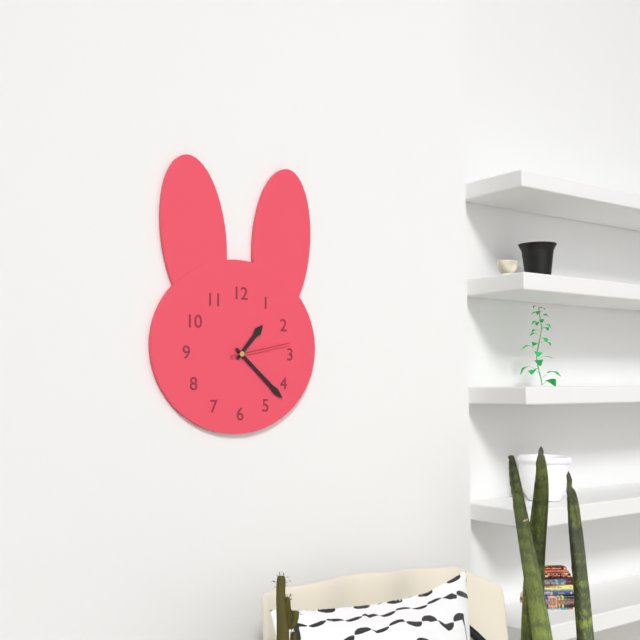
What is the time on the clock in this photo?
1:22:13
